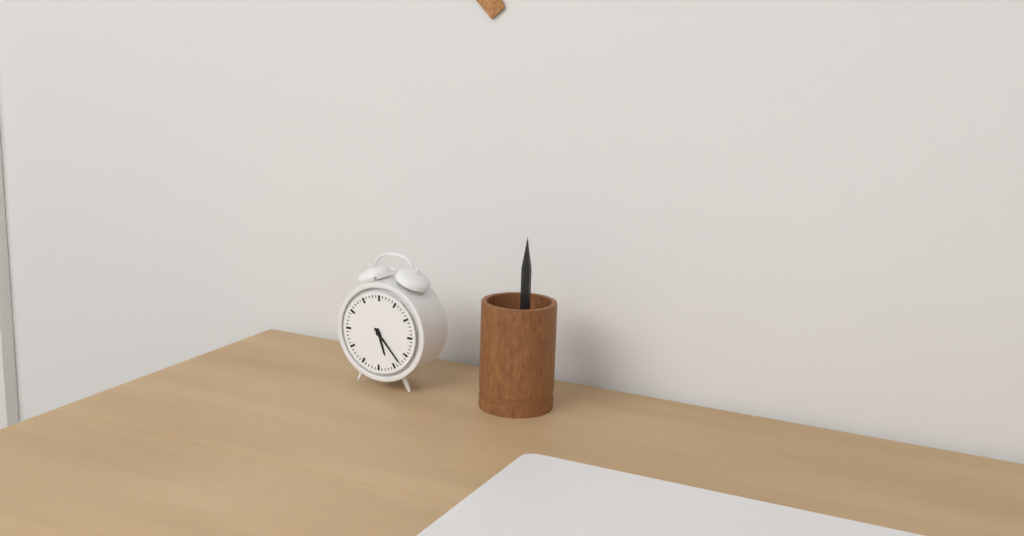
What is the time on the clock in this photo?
5:23
